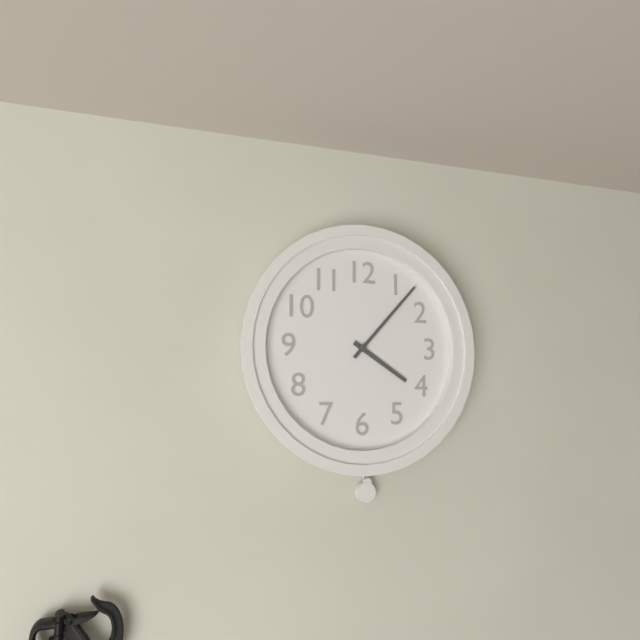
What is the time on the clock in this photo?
4:07
